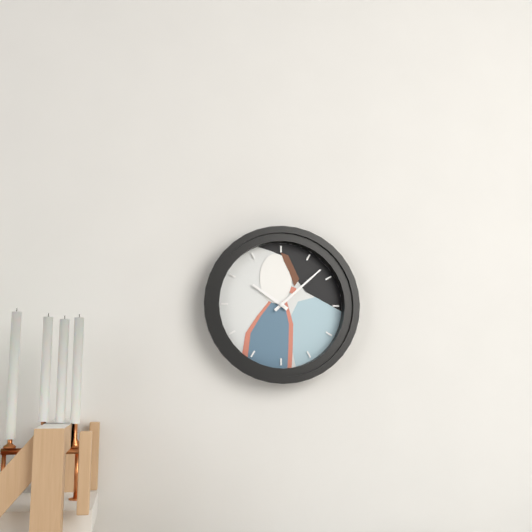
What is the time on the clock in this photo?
10:08
